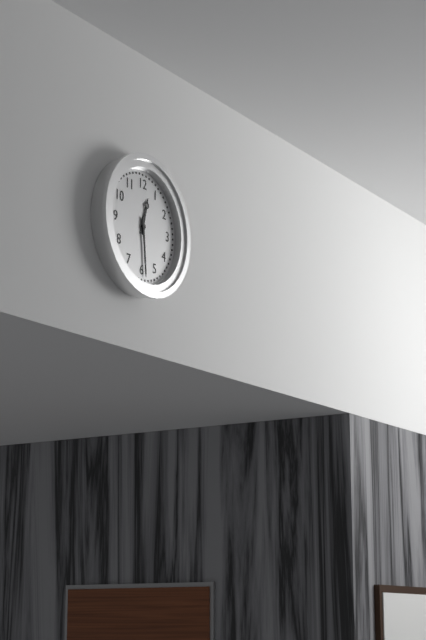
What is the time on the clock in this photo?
12:29
